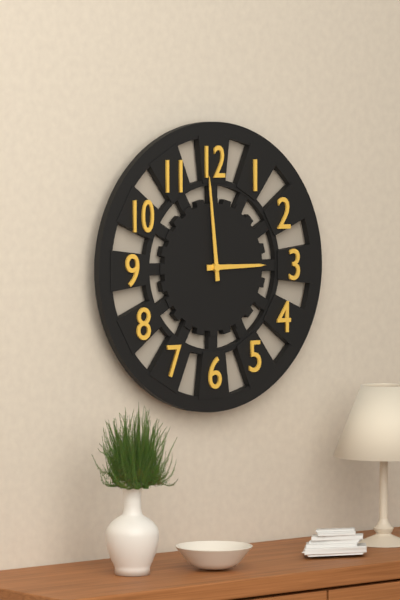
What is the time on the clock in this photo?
2:59
